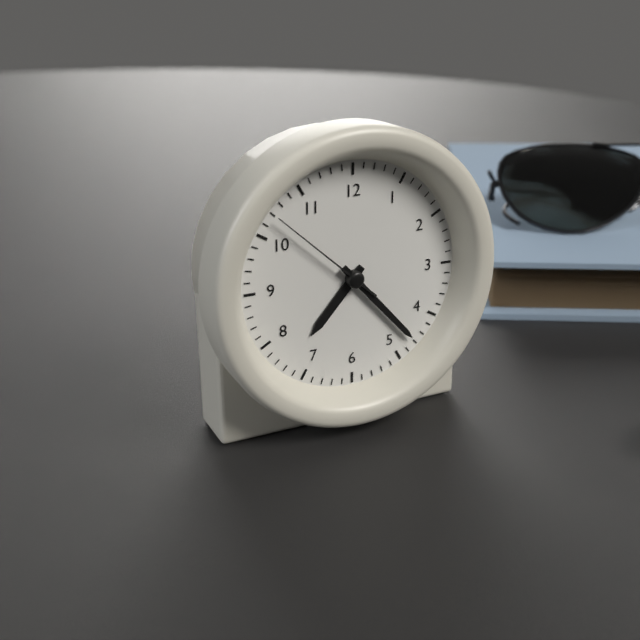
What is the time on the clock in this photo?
7:23:52
